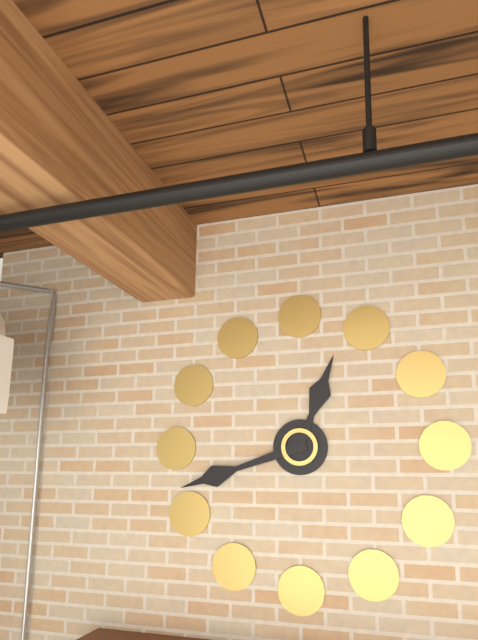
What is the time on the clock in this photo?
12:42
